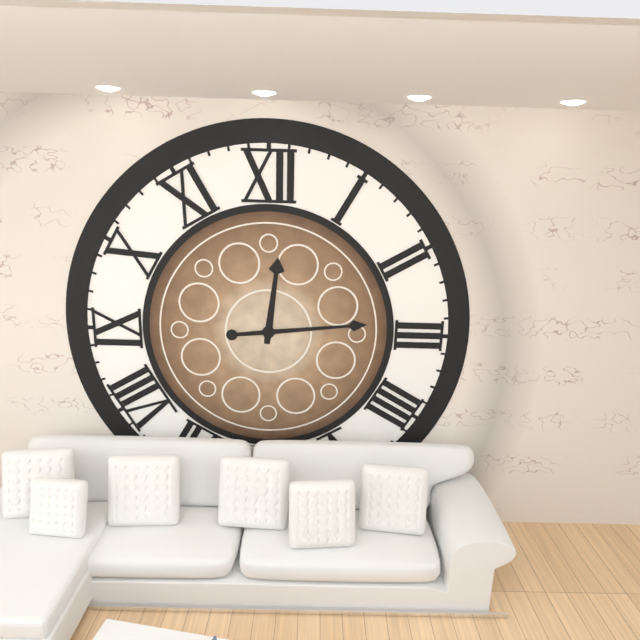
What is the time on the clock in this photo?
12:14
